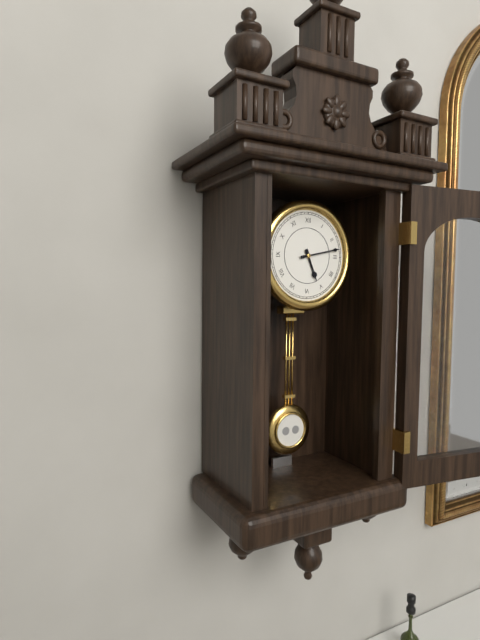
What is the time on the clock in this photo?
5:13
